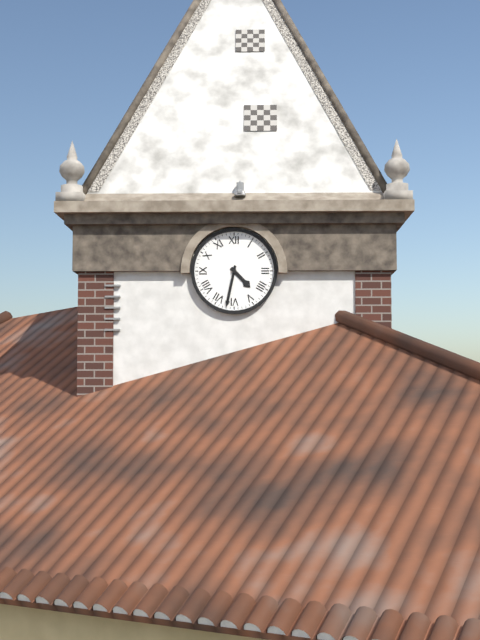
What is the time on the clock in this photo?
4:32
